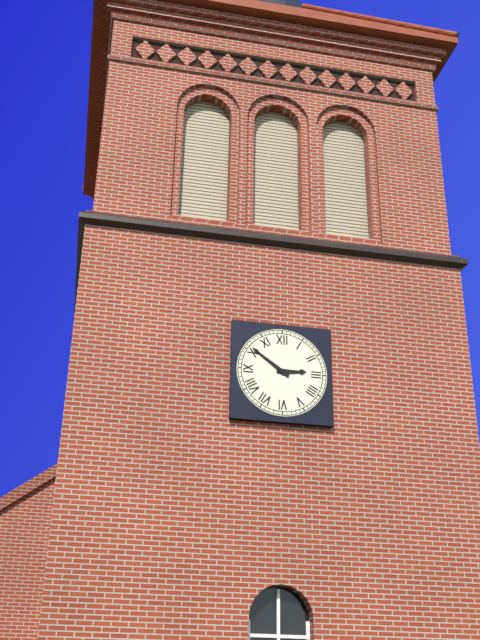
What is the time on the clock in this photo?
2:51
